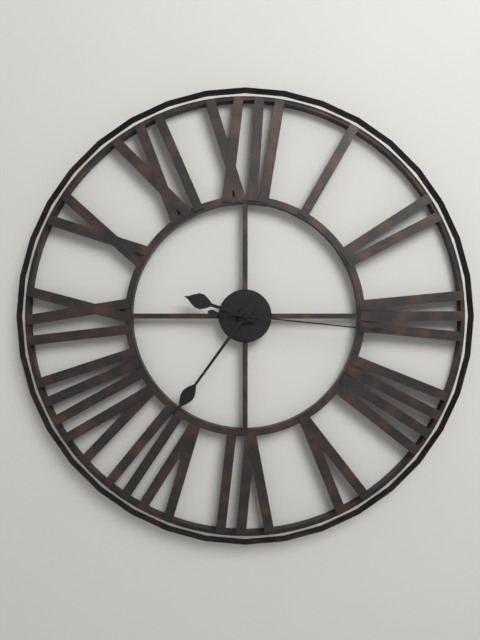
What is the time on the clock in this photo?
9:36:16
